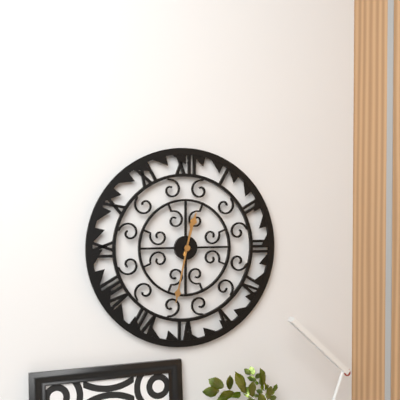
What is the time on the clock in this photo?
12:32
